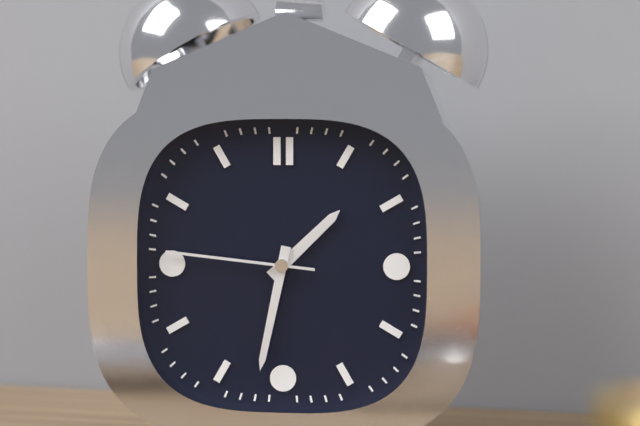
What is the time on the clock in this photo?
1:32:46
